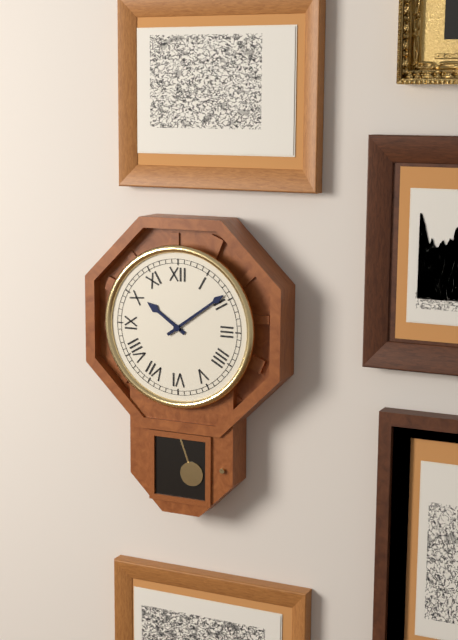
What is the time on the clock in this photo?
10:09
